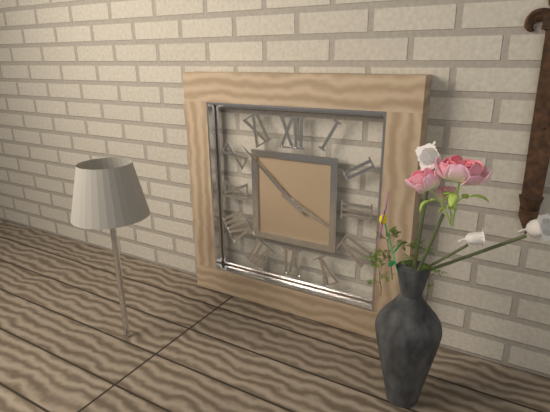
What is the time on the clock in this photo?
3:52
